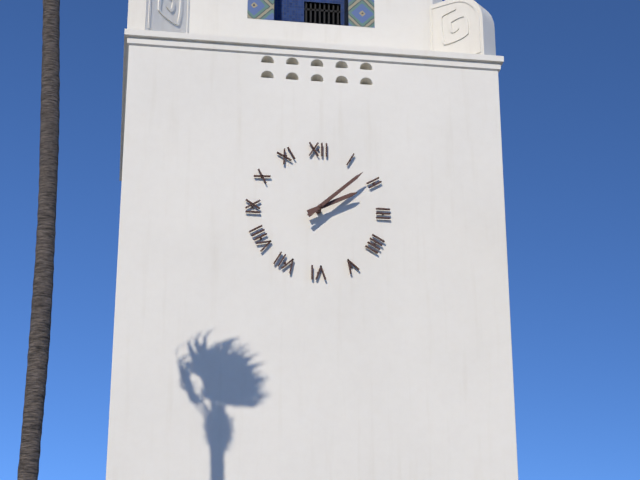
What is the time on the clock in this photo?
2:08
